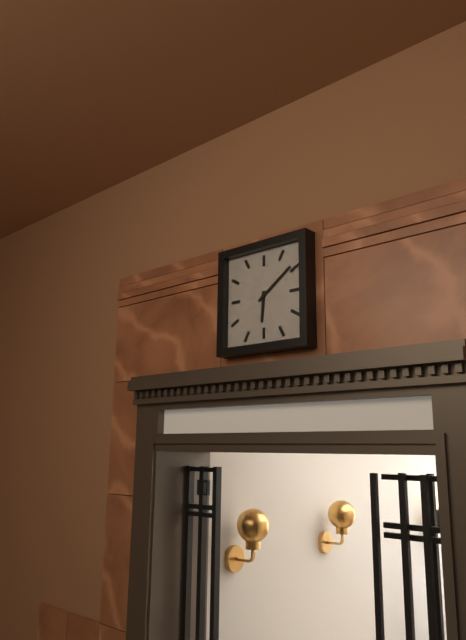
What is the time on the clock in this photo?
6:09
